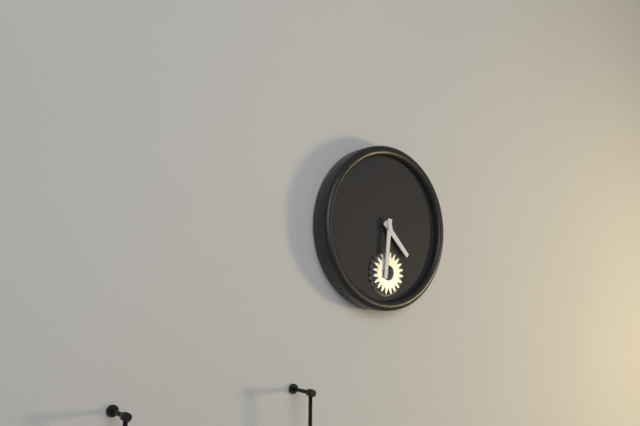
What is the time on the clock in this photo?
4:31
